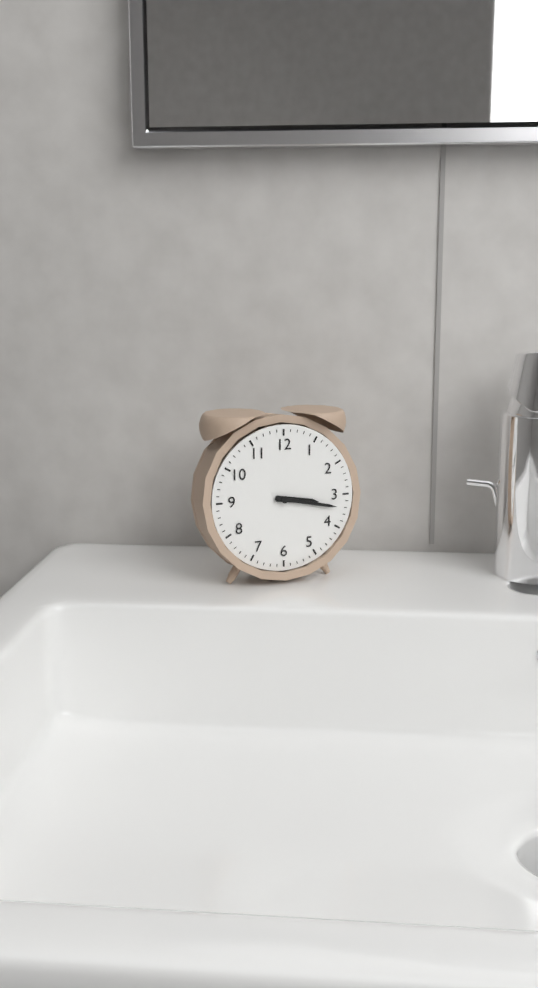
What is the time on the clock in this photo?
3:17
